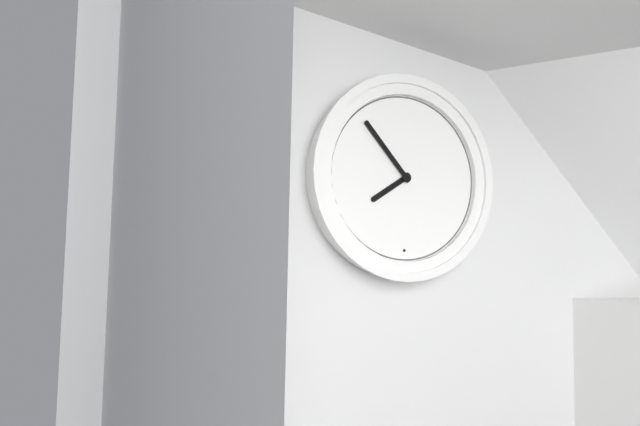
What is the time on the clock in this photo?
7:53
